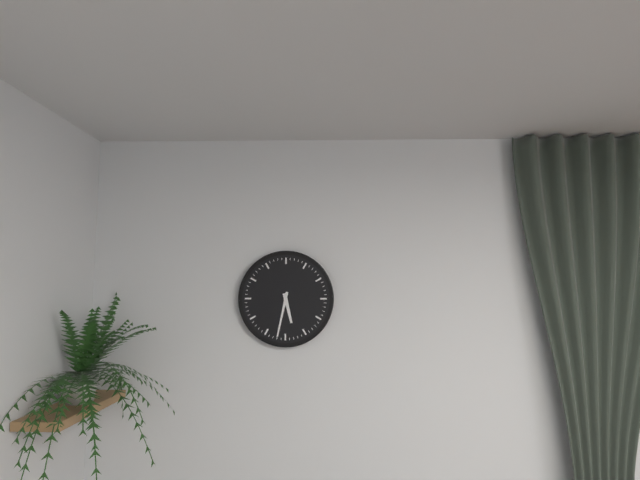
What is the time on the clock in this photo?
5:32
